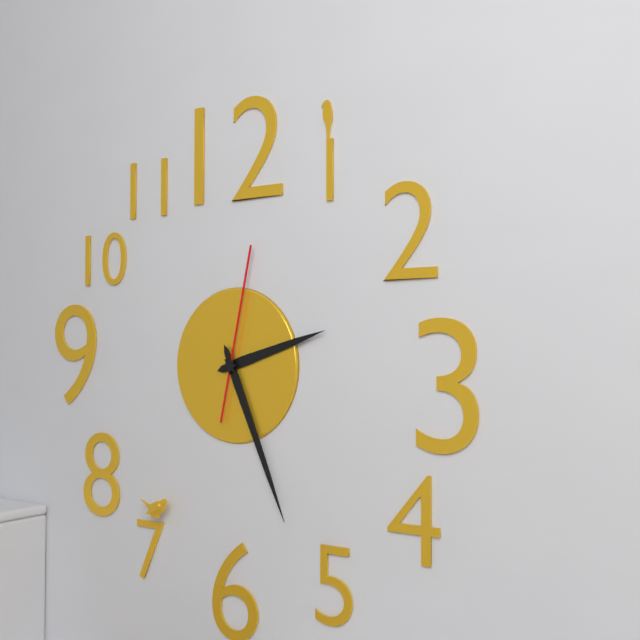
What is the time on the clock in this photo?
2:26:02
